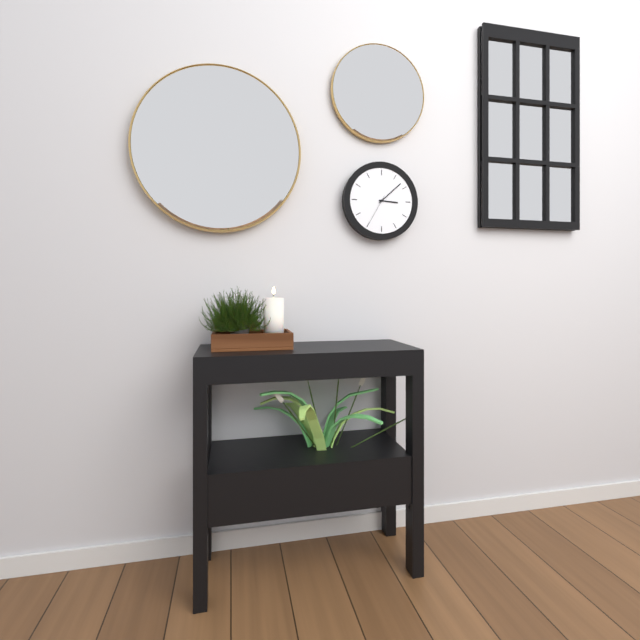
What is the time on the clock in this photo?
3:08
